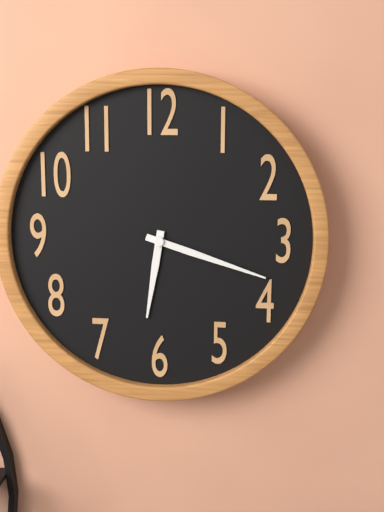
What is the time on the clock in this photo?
6:18
